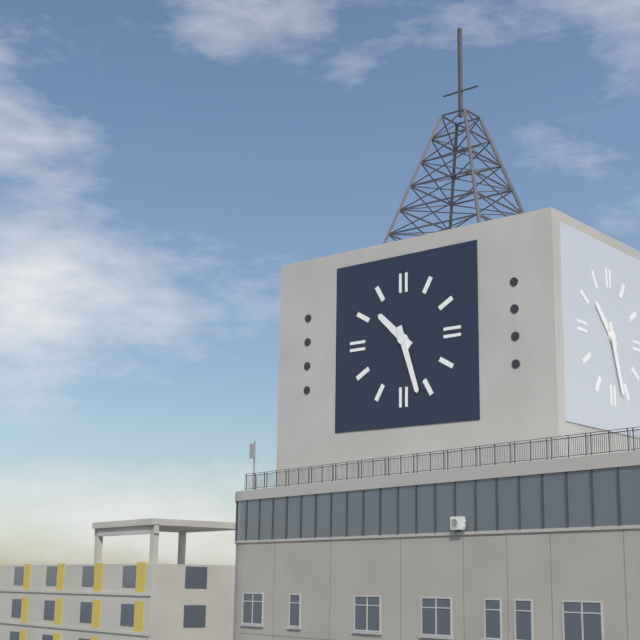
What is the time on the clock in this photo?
10:27
